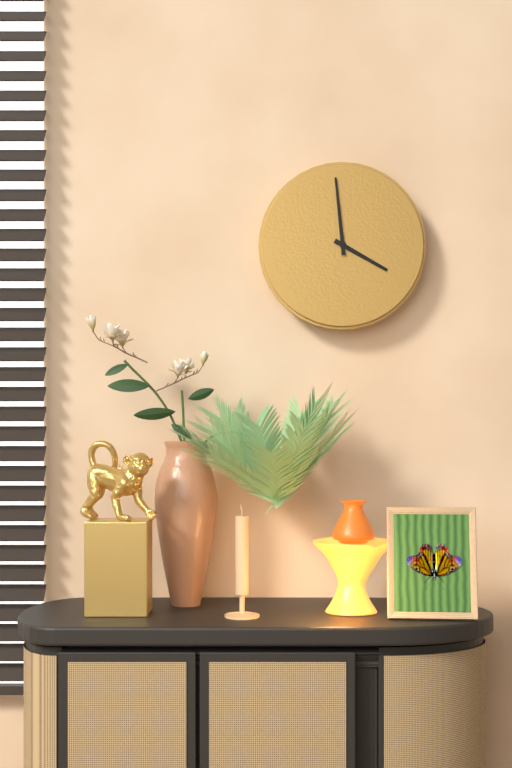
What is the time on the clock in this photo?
3:59
